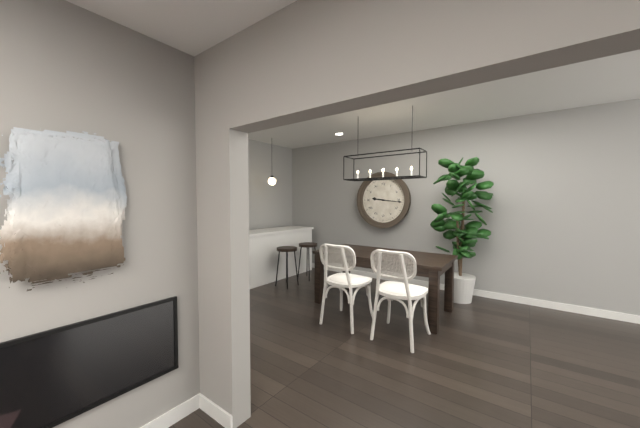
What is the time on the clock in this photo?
9:16
